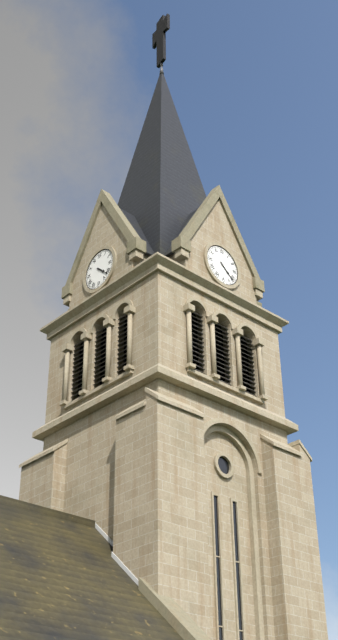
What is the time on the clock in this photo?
4:22
